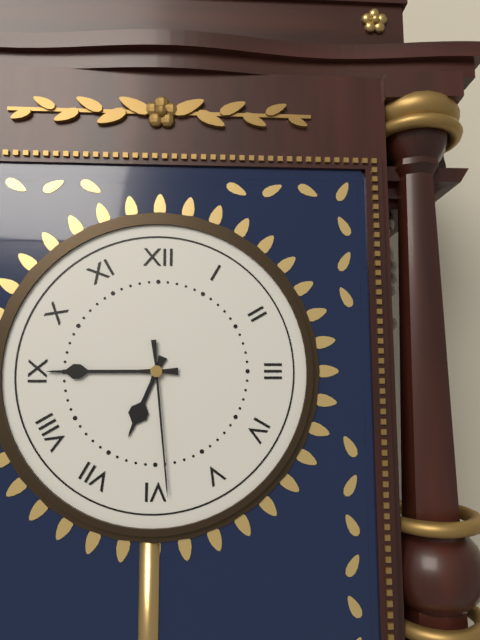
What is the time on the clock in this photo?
6:45:29
